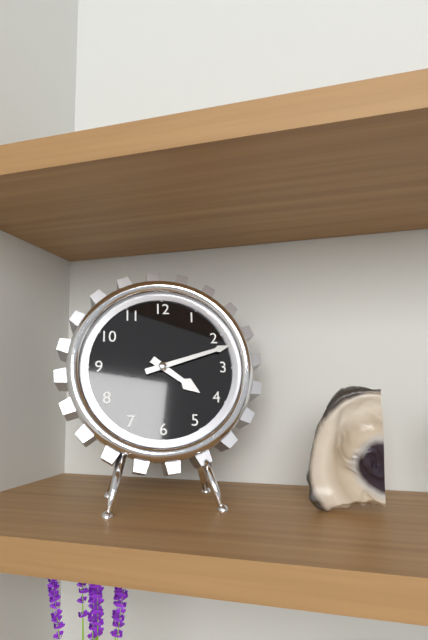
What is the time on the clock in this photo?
4:12
